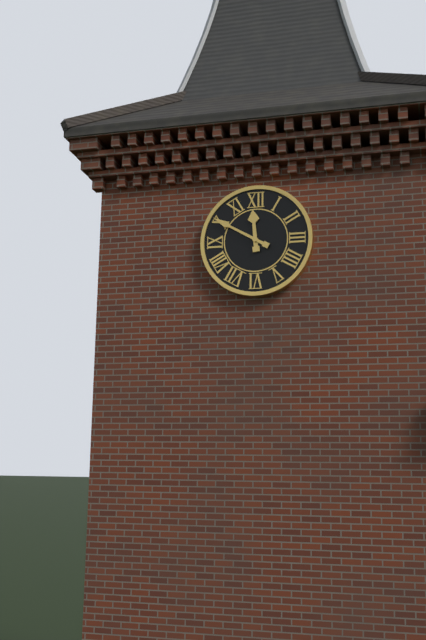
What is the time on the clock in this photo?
11:50
